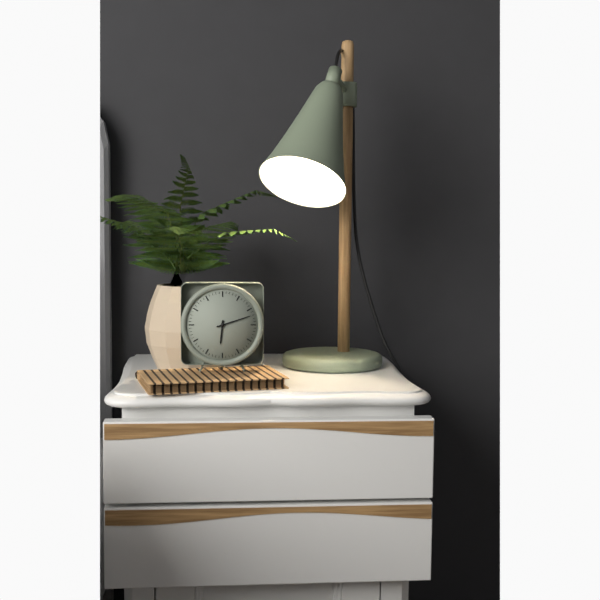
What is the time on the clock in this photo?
6:12
